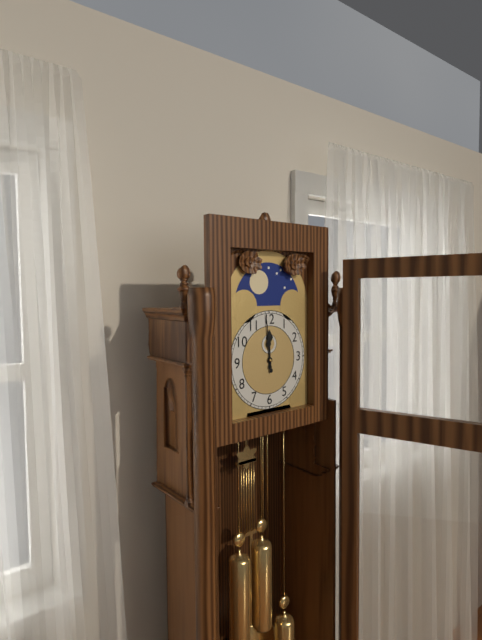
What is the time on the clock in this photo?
11:59
